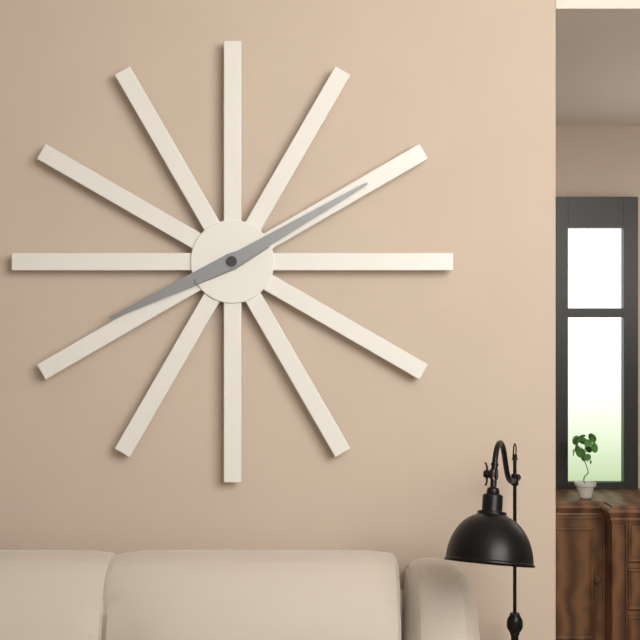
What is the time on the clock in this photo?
8:10
